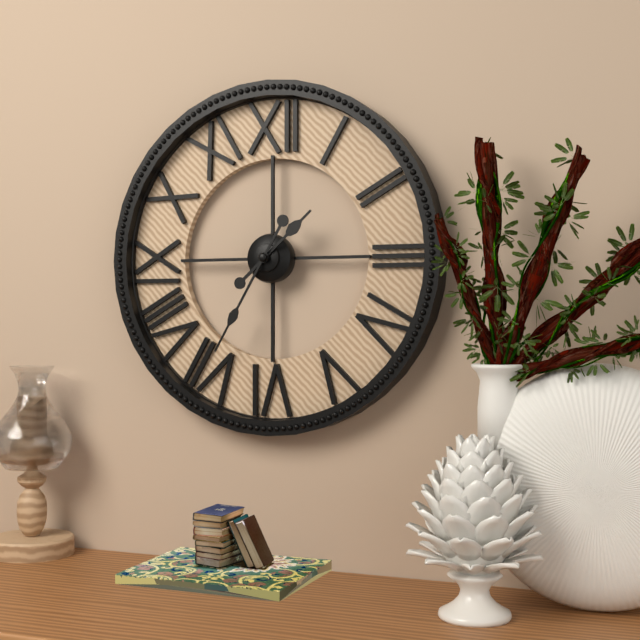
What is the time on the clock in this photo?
1:35
